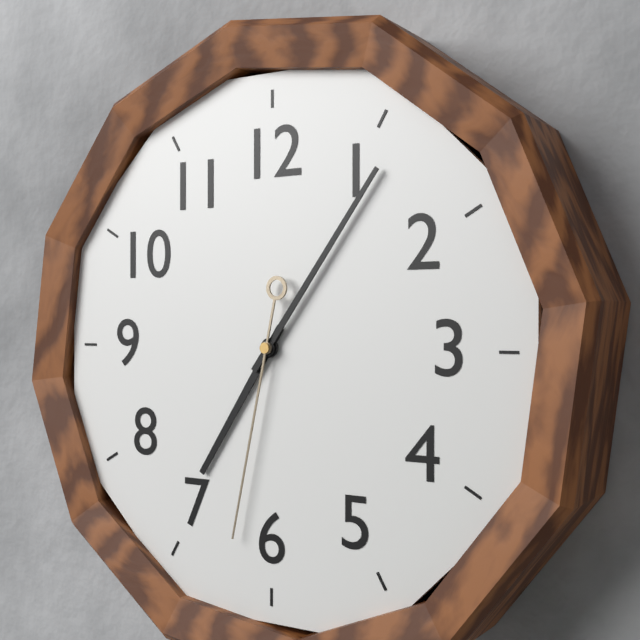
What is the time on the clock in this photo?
7:06:32
